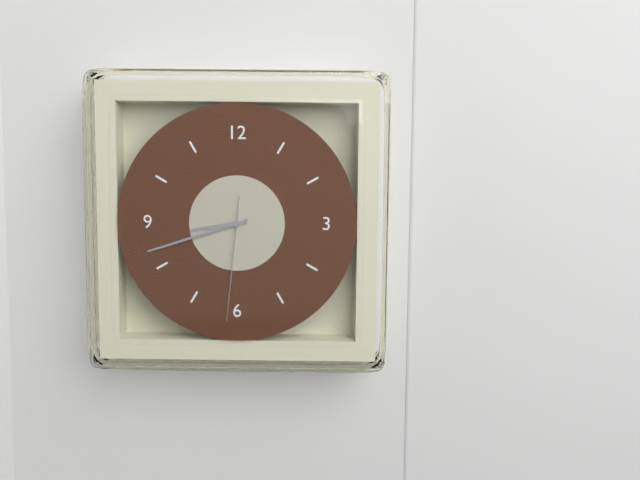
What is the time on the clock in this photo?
8:42:31
